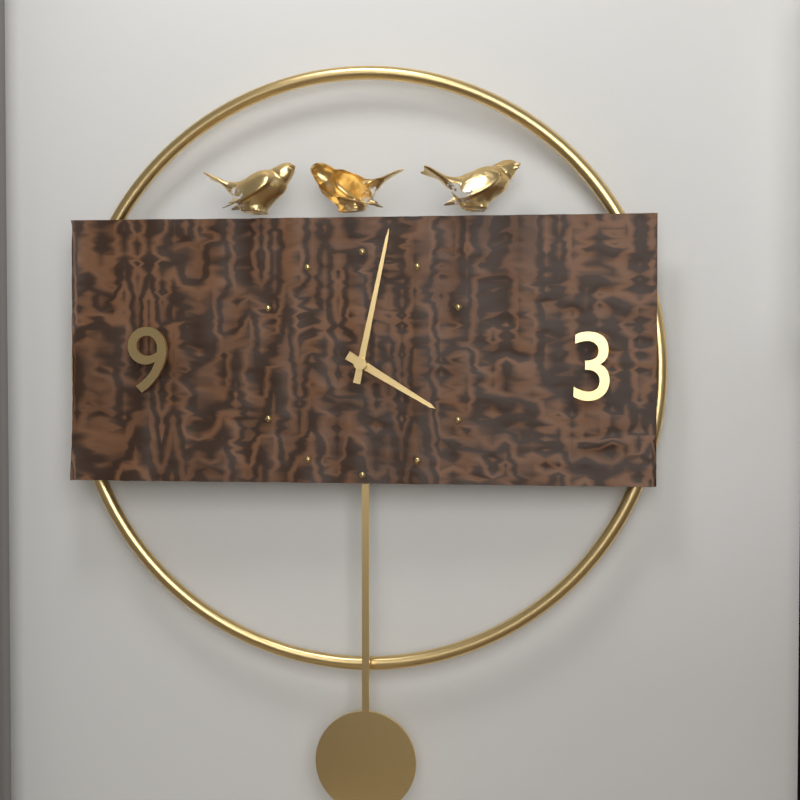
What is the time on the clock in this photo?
4:02
